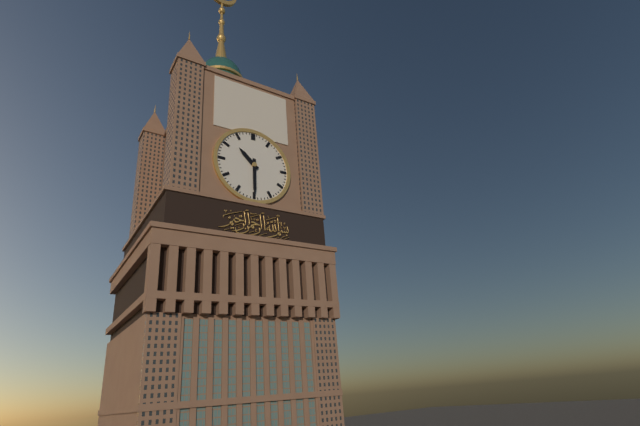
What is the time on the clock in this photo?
10:30
